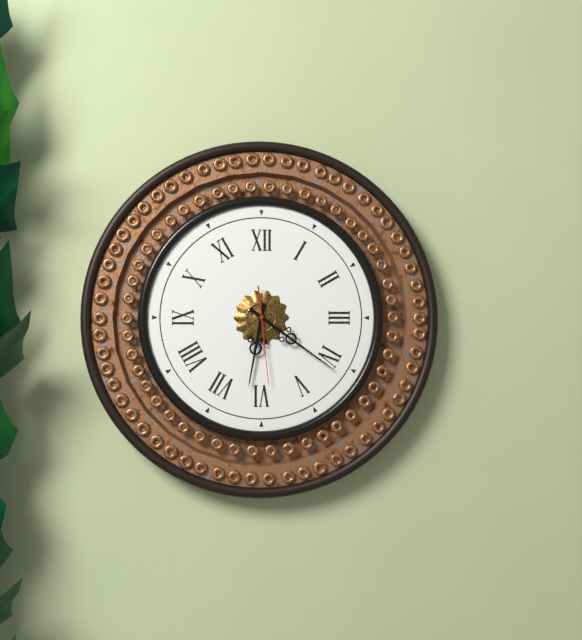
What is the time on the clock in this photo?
6:21:29
